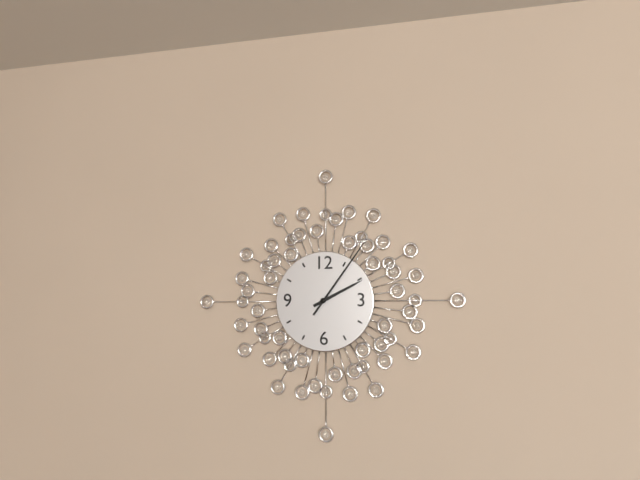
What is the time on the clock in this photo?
2:06
